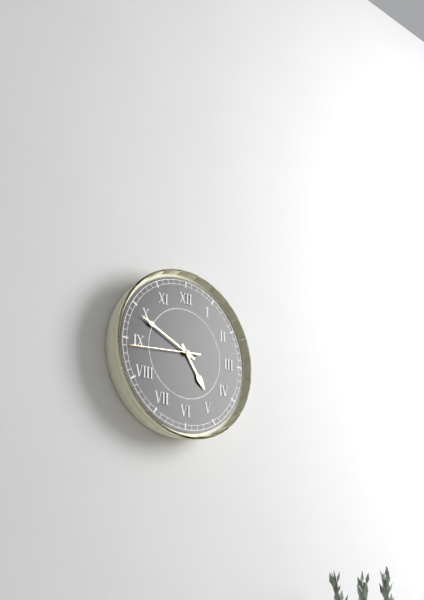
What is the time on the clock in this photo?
4:49:44
